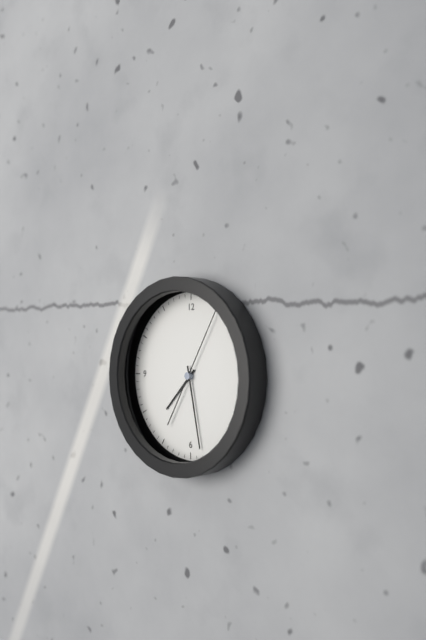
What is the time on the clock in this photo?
7:28:05
